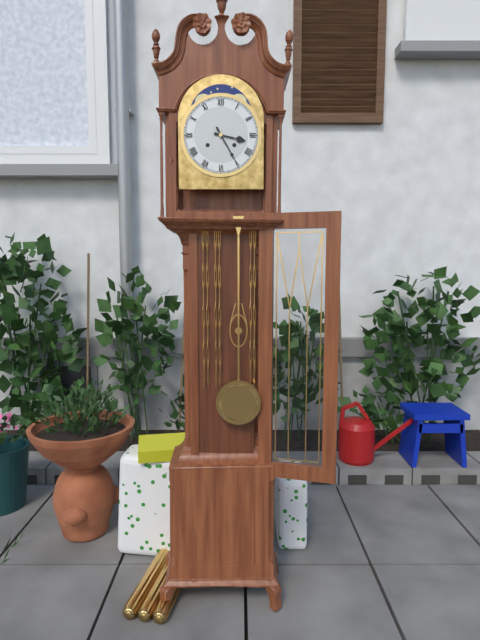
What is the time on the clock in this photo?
3:25
